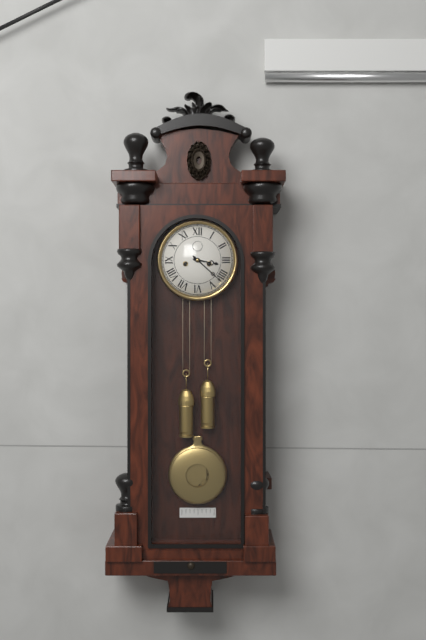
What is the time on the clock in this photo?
3:22
